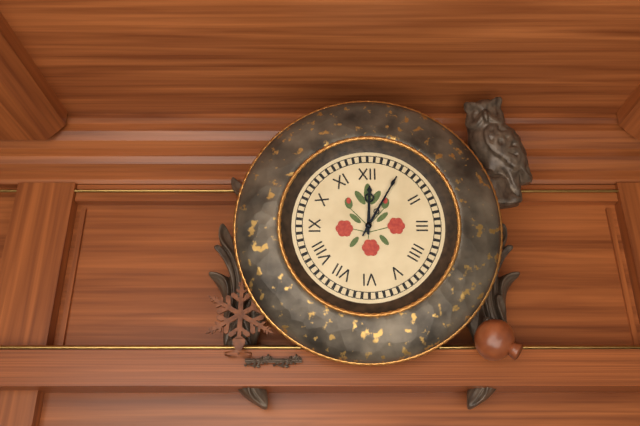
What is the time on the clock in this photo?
12:05
